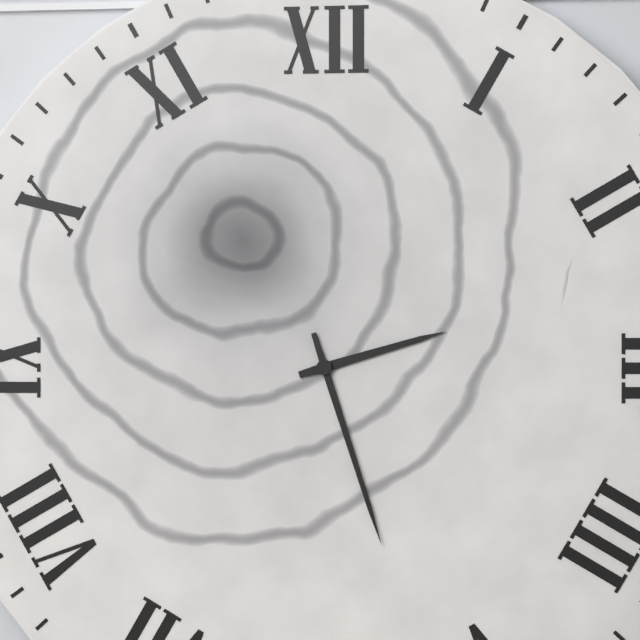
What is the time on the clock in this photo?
2:27
